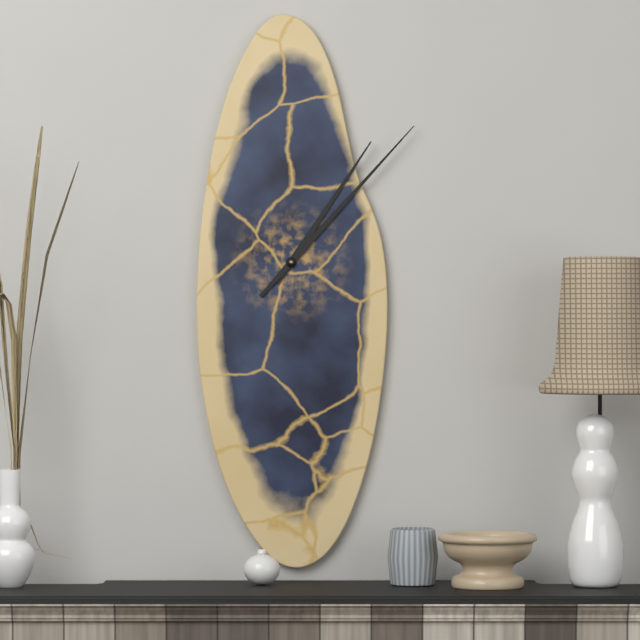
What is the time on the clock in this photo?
1:07
